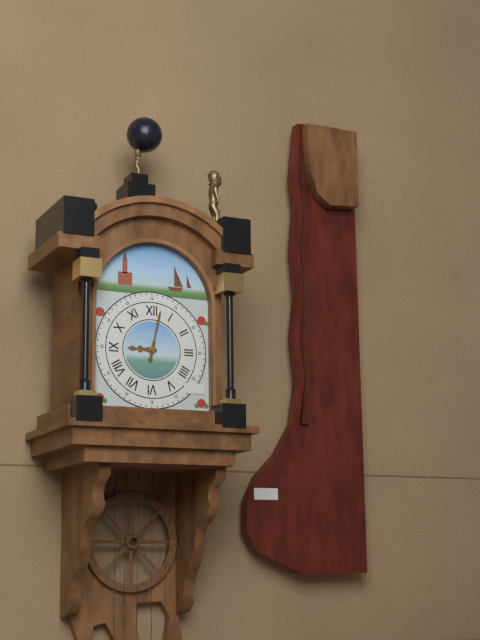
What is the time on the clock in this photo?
9:02
